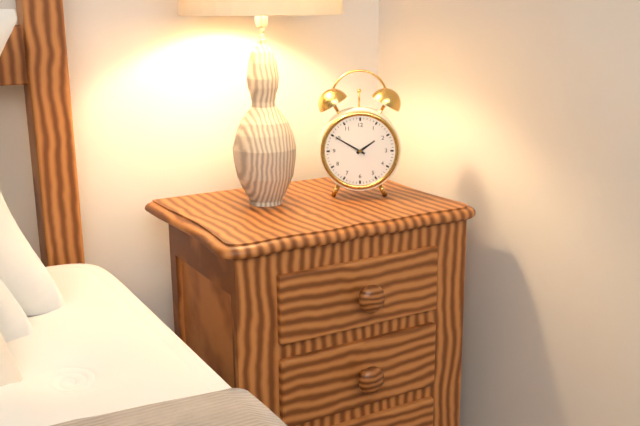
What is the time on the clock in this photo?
1:50
